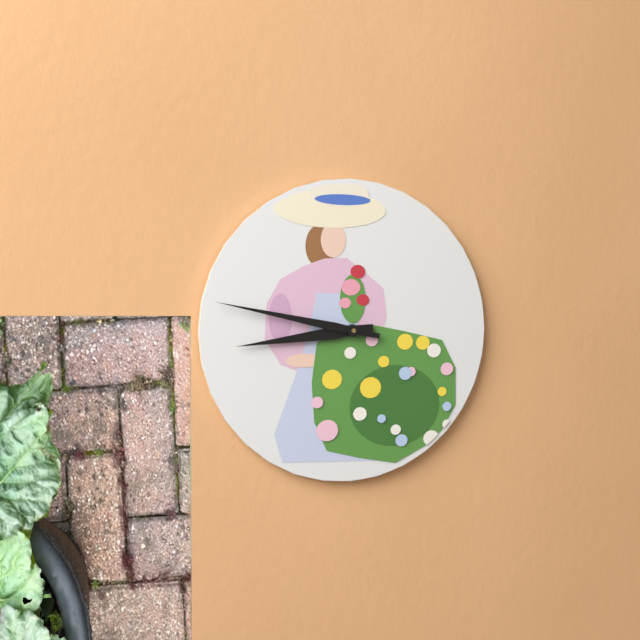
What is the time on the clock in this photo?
8:47
